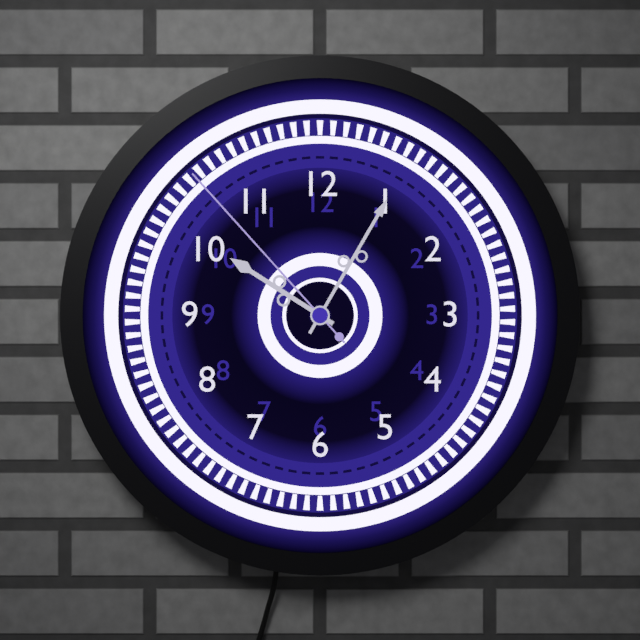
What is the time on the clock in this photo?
10:05:53
